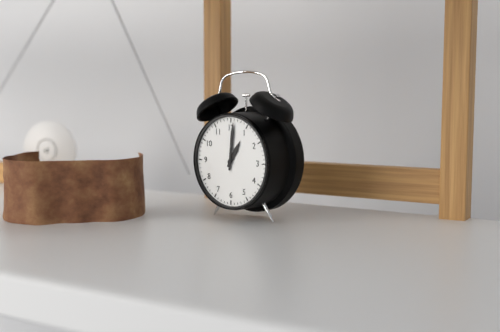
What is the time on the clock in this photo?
1:01
